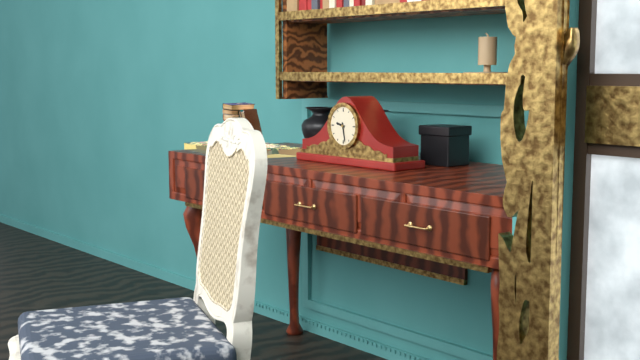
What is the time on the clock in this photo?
9:28
